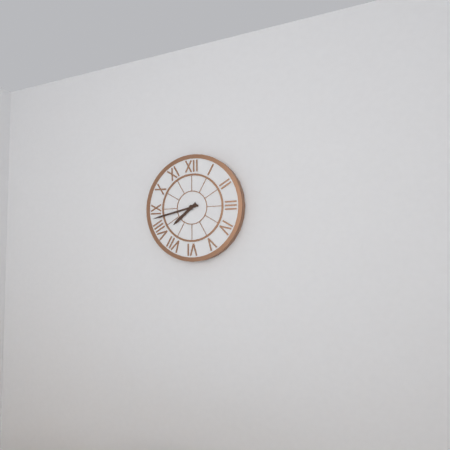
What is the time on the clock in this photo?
7:43
